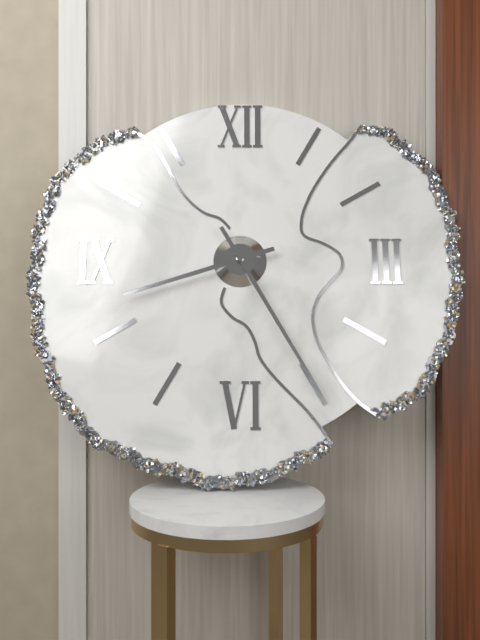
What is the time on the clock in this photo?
8:25
